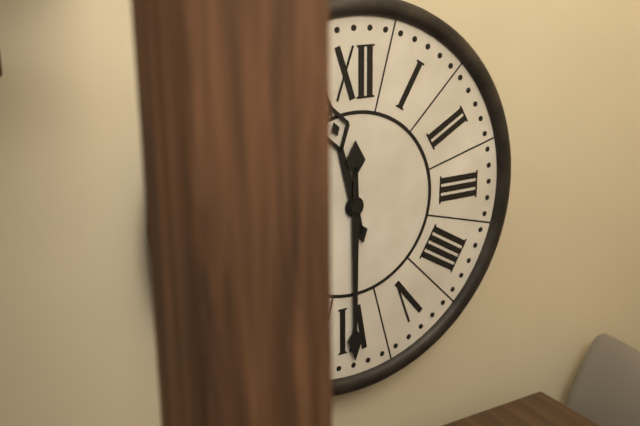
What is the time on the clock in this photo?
11:30
